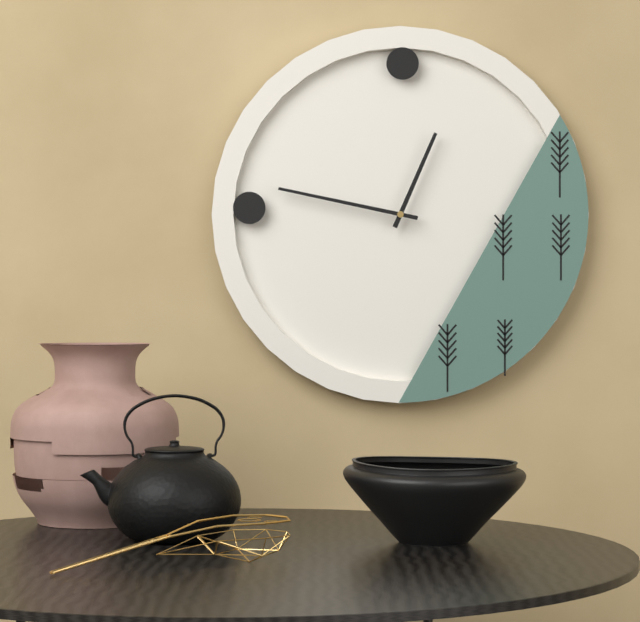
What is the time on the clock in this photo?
12:47
